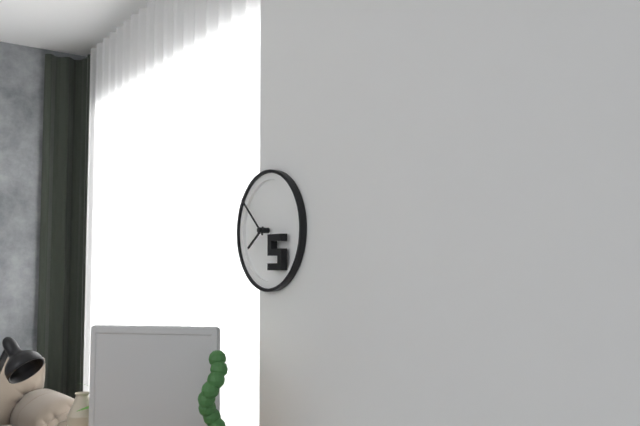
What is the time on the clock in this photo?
7:52
